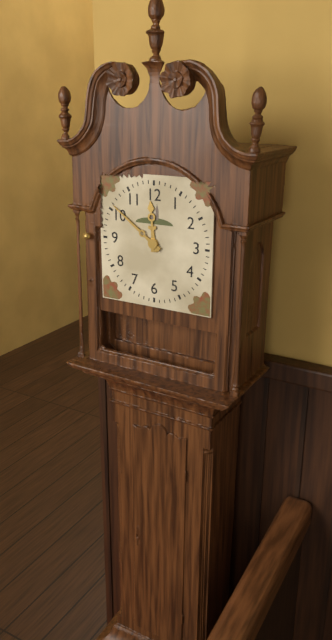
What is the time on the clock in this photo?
11:51
